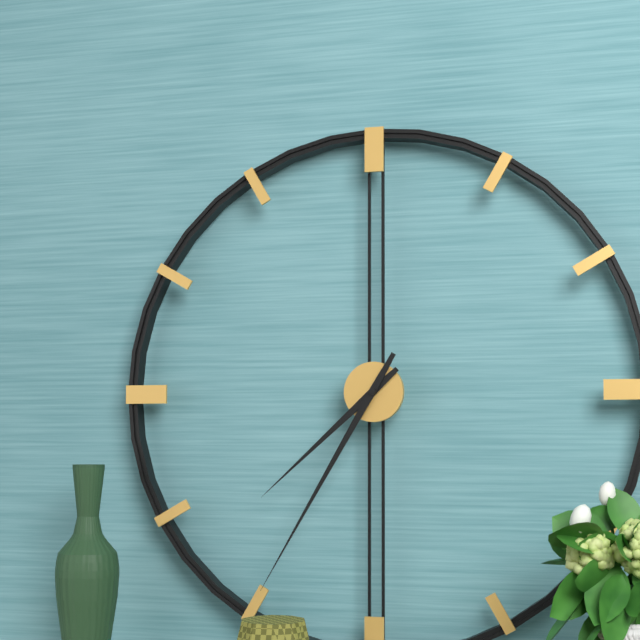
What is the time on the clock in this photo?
7:35
